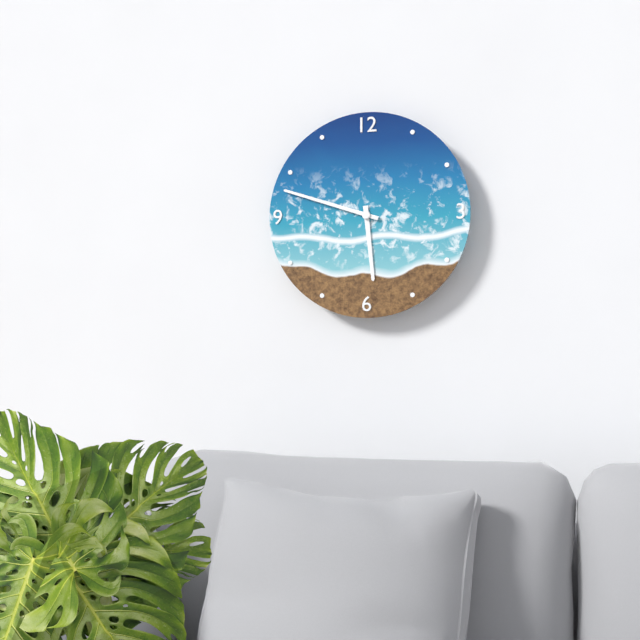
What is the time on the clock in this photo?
5:48
